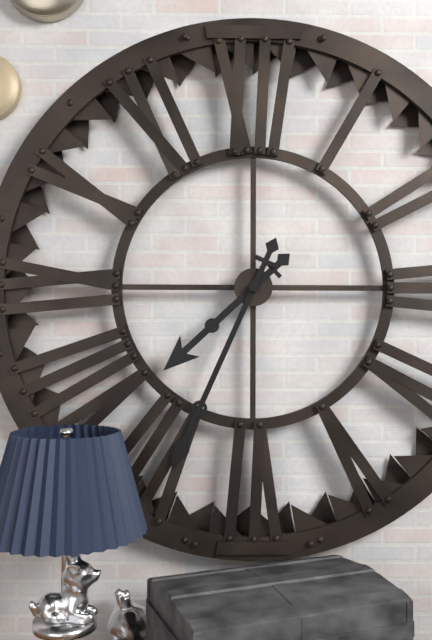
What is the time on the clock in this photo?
7:34
